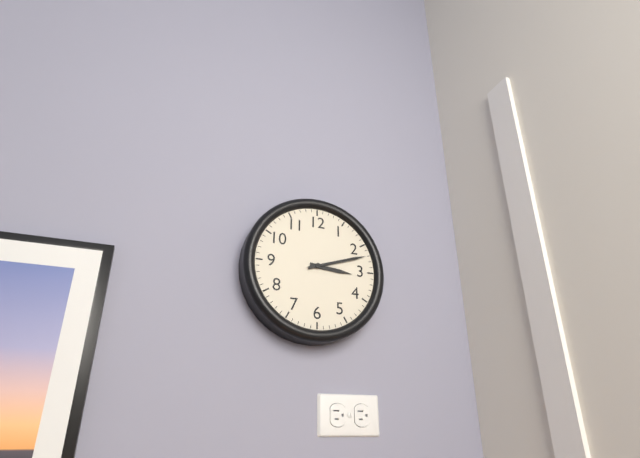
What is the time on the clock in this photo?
3:12
